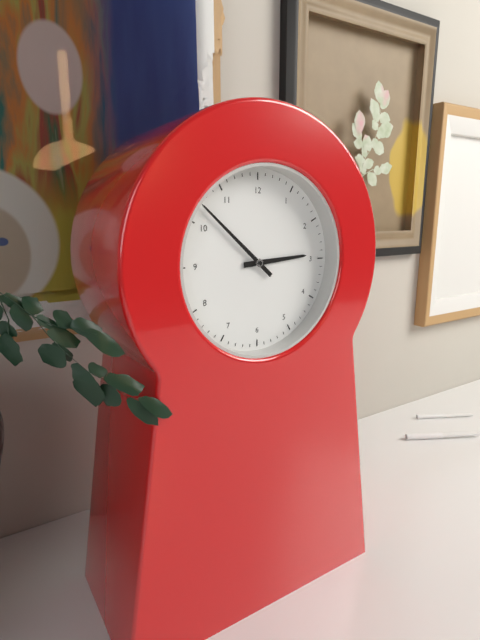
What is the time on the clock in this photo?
2:52
